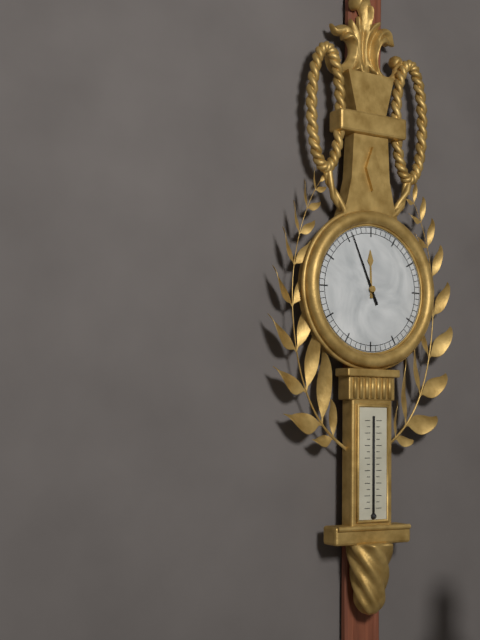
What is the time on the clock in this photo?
11:56
